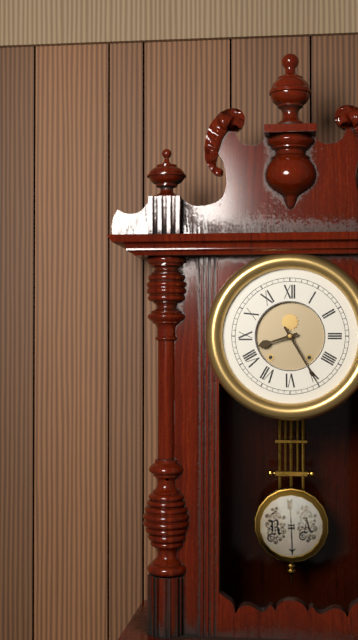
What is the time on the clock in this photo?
8:25
